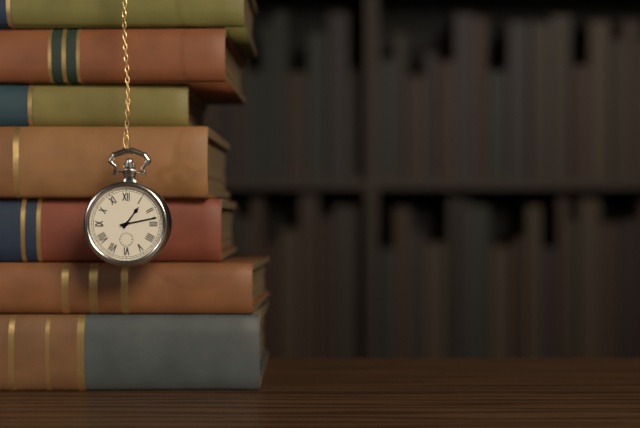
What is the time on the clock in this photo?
1:13
